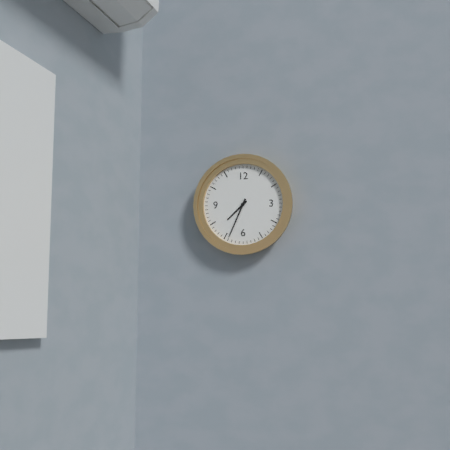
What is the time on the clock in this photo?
7:34
